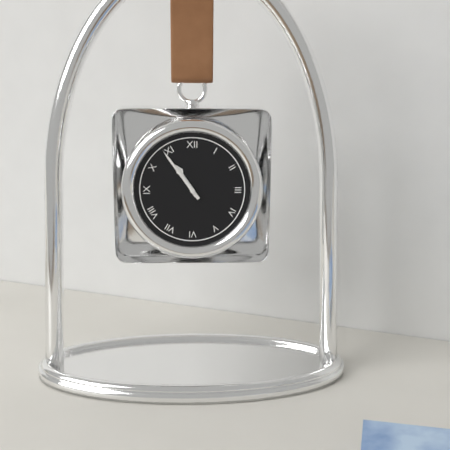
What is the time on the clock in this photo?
10:54
